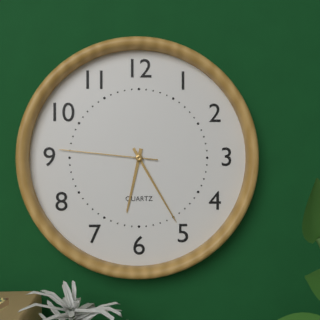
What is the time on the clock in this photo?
6:25:46
